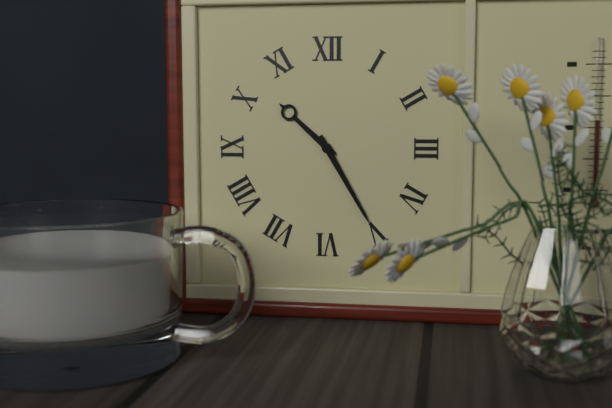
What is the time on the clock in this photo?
10:25
